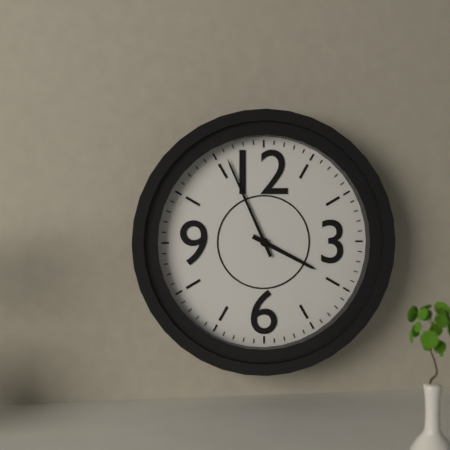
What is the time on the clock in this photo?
3:56
